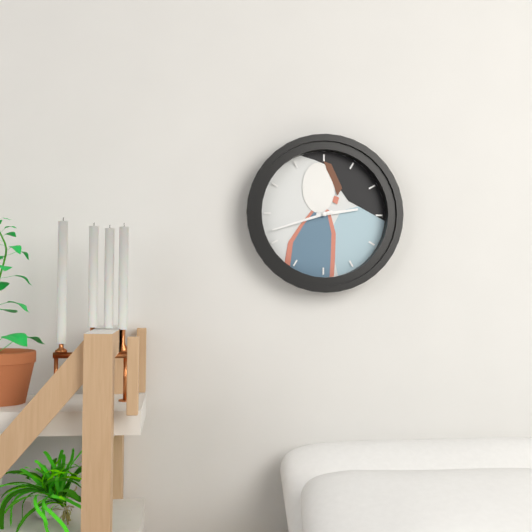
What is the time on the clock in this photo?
2:42
